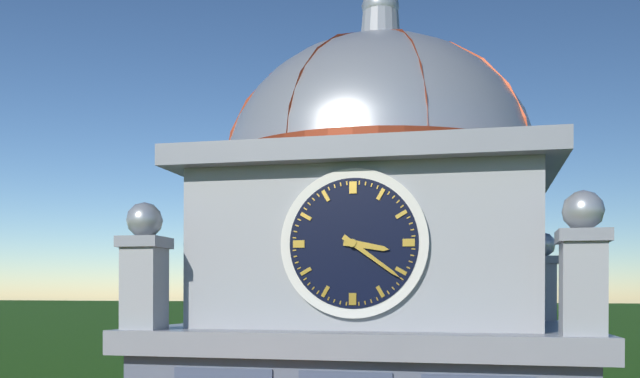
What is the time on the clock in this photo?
3:21
